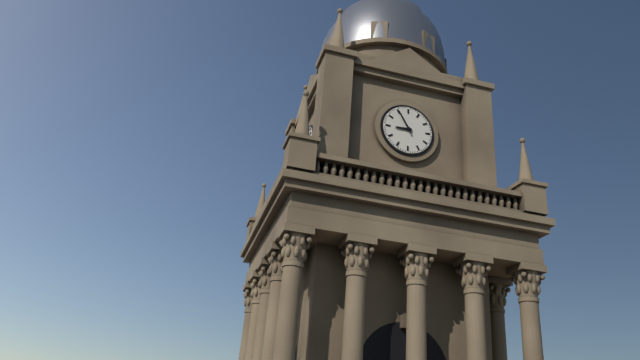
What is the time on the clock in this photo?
8:55
